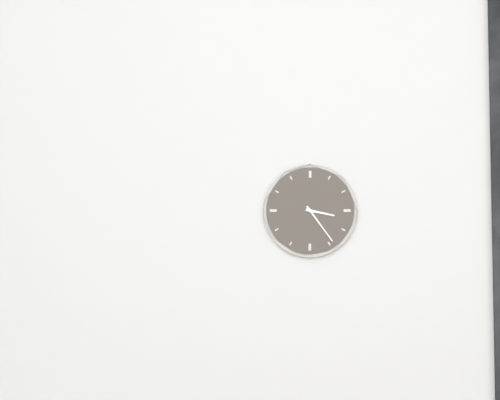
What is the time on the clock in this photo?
3:24
